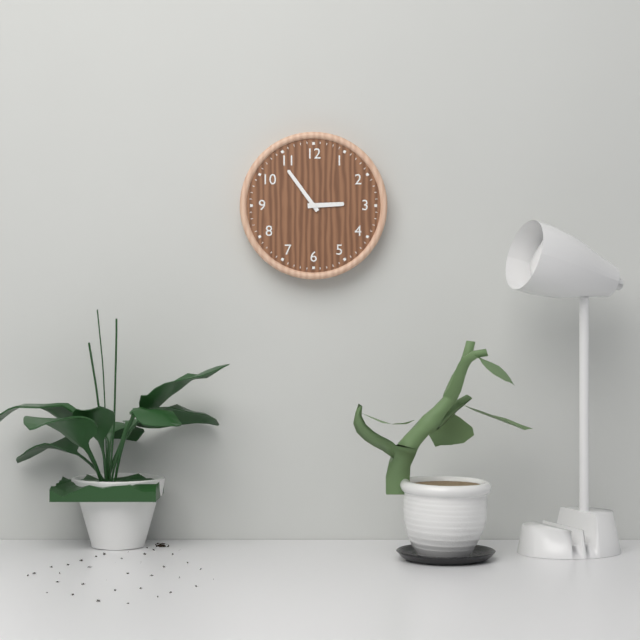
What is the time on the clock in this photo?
2:54
